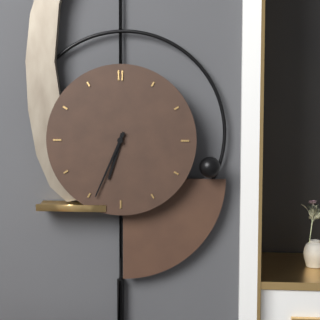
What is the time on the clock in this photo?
6:34
